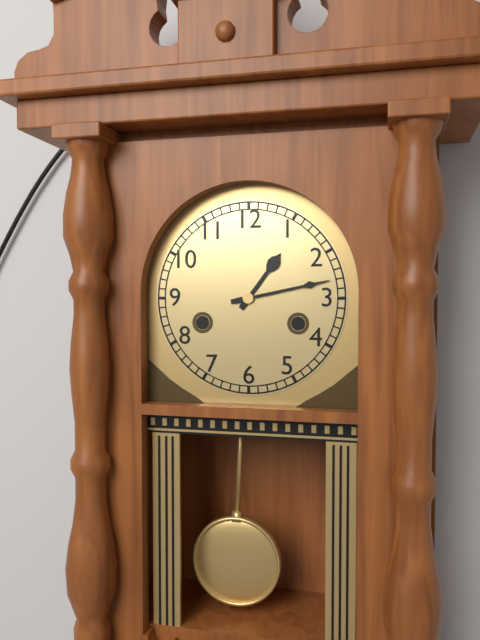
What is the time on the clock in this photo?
1:13
